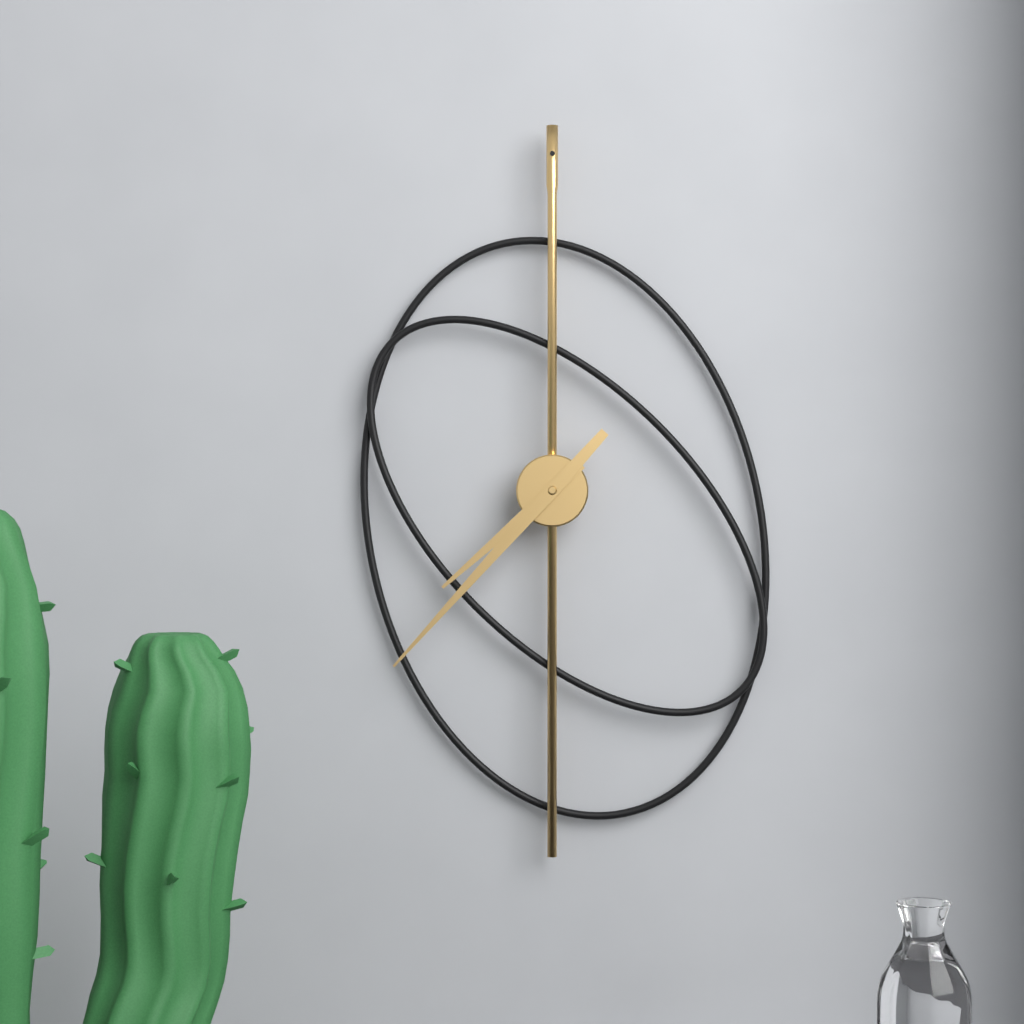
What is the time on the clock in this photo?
7:37
